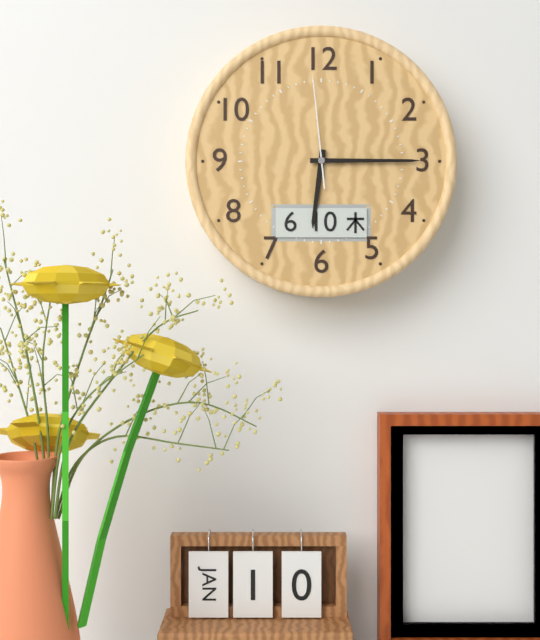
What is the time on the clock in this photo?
6:15:59
